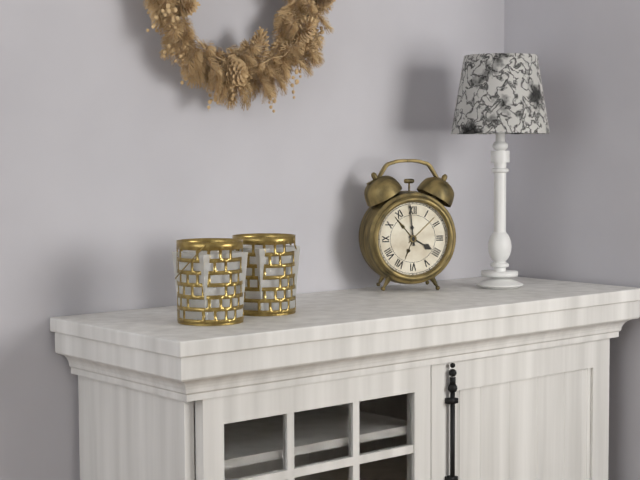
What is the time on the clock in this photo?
3:59
